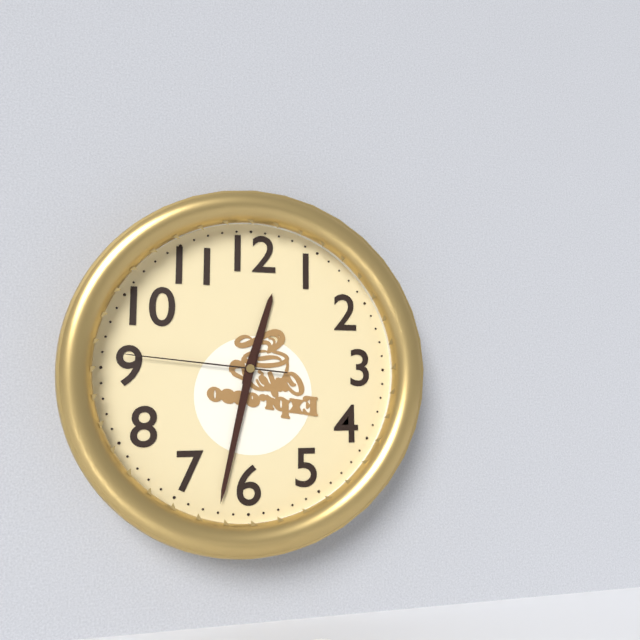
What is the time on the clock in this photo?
12:32:46
